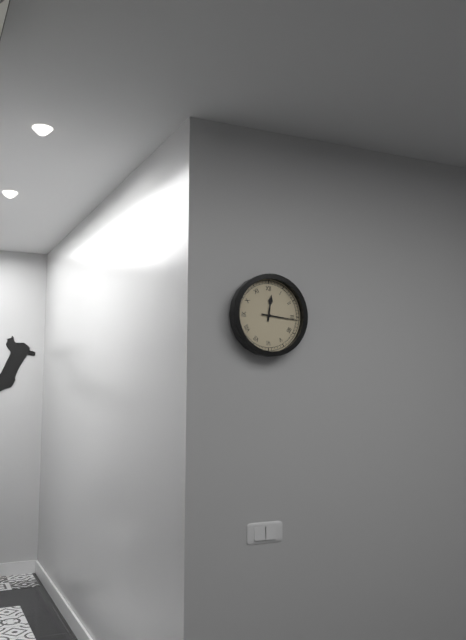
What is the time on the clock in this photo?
12:16
